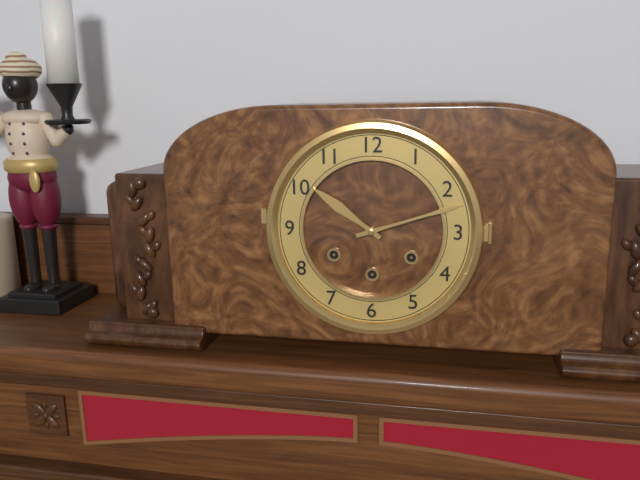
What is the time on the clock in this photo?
10:12
